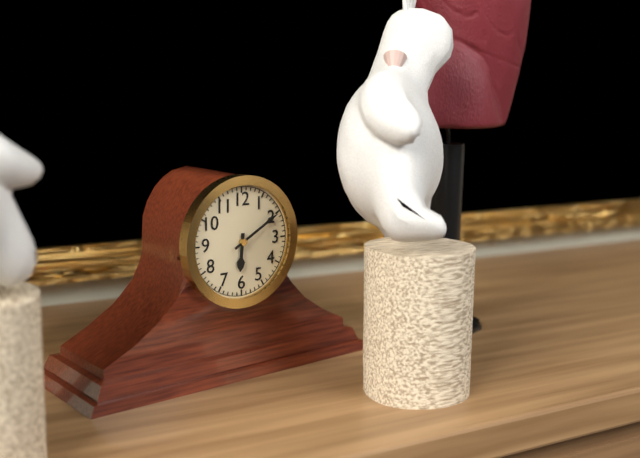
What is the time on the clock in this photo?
6:10
